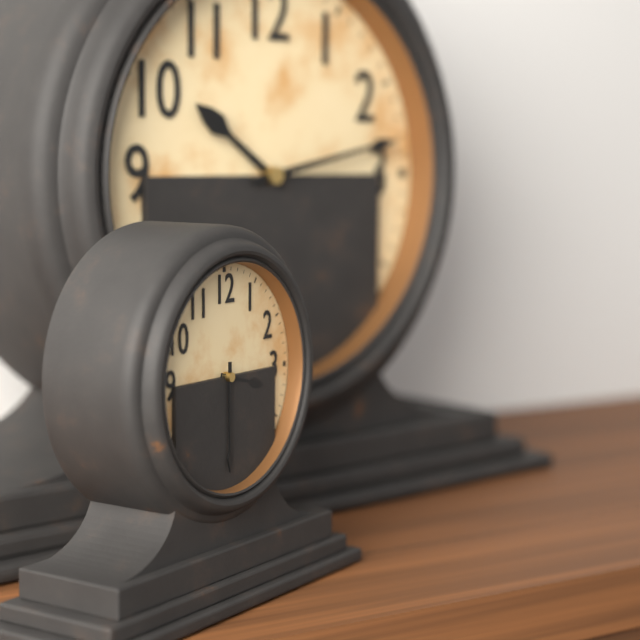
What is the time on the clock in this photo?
3:30
